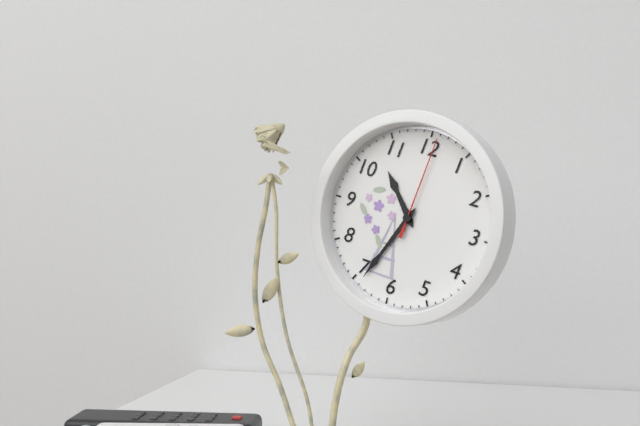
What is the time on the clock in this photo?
10:34:01
